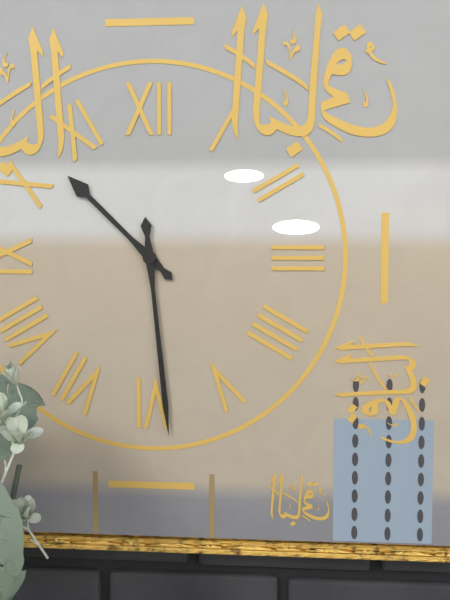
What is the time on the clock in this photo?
10:29
